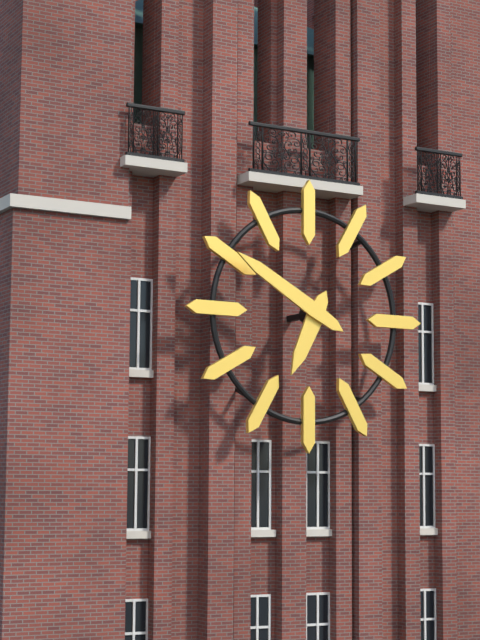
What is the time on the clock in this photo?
6:50
